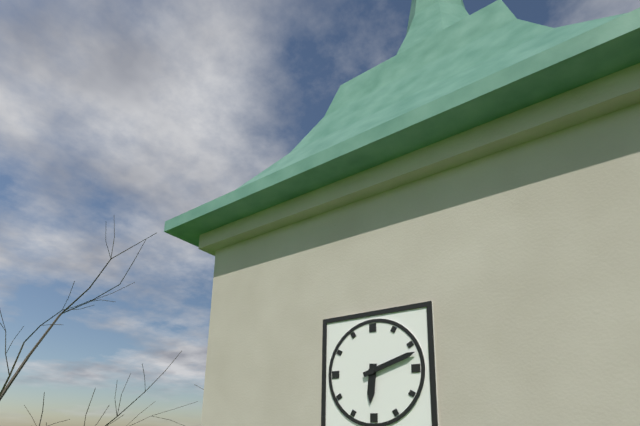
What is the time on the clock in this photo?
6:12
